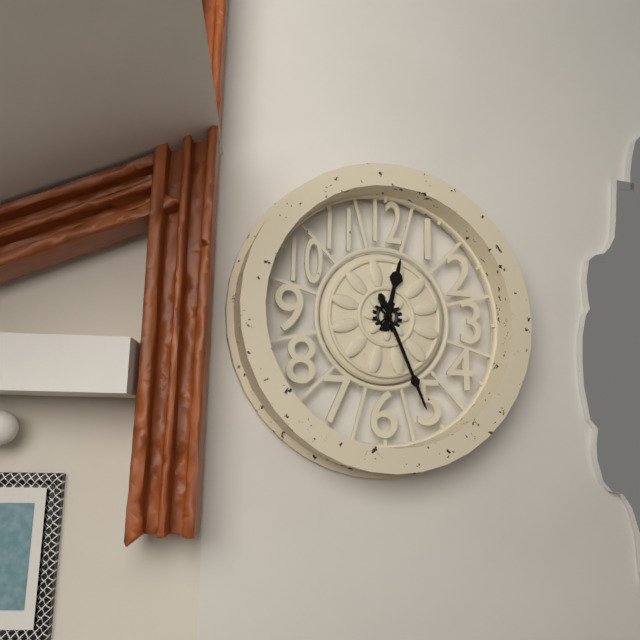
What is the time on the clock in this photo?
12:26
